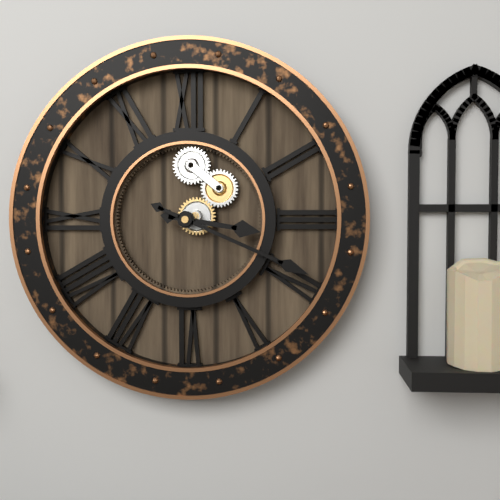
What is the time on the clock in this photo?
3:19
